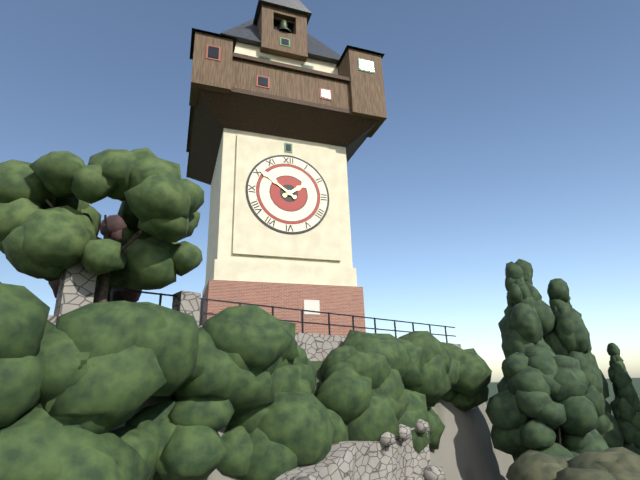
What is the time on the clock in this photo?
1:51
